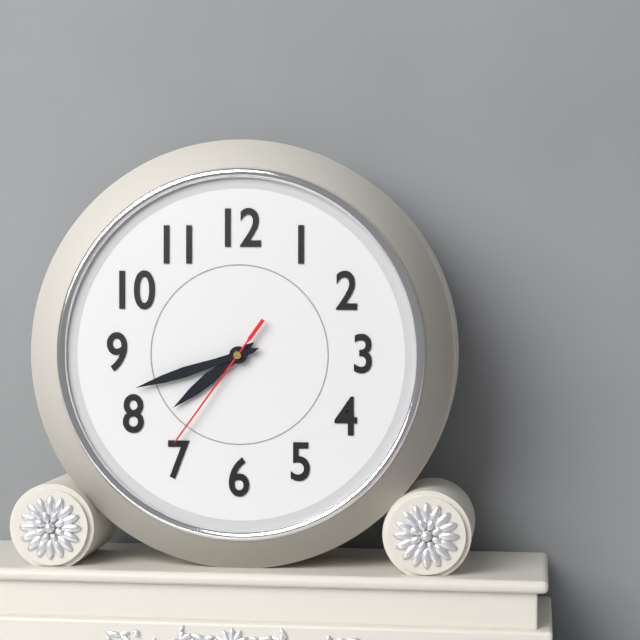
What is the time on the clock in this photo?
7:42:36
